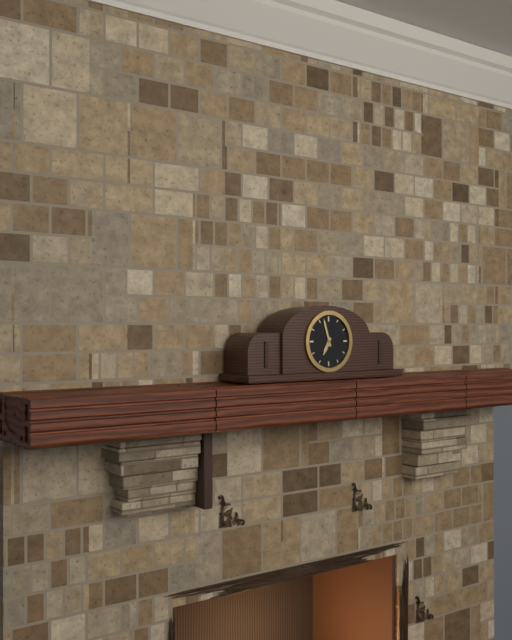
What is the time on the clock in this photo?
6:57
